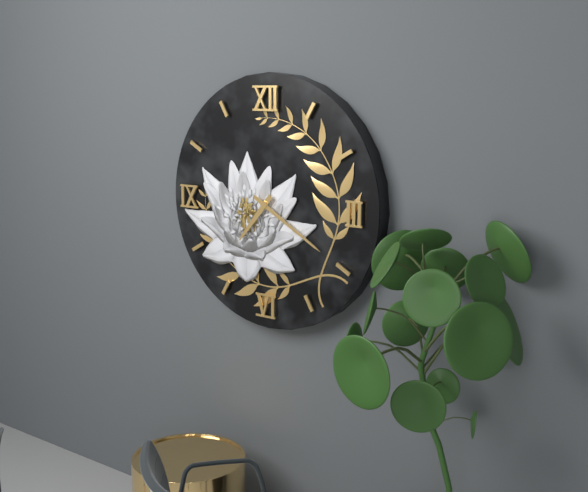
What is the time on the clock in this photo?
7:20
